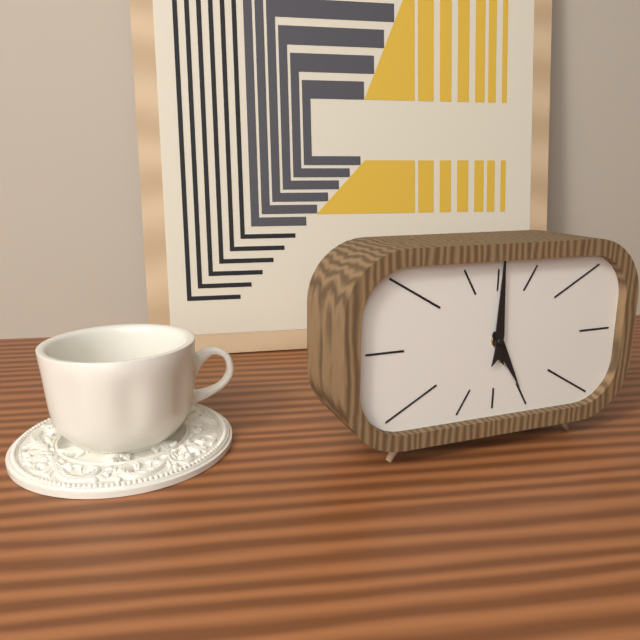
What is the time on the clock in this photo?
5:00
